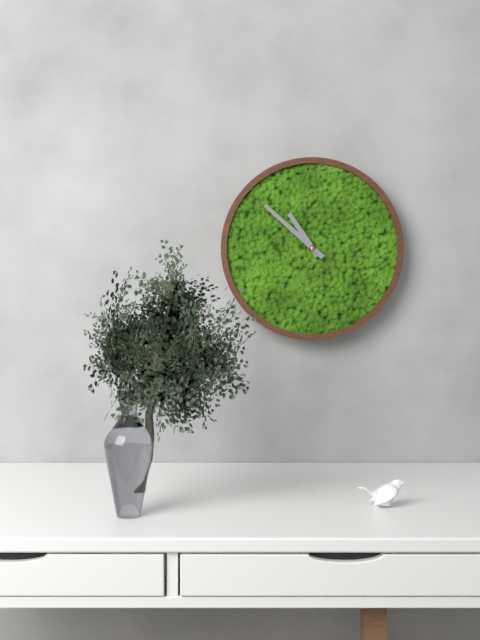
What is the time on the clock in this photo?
10:52
